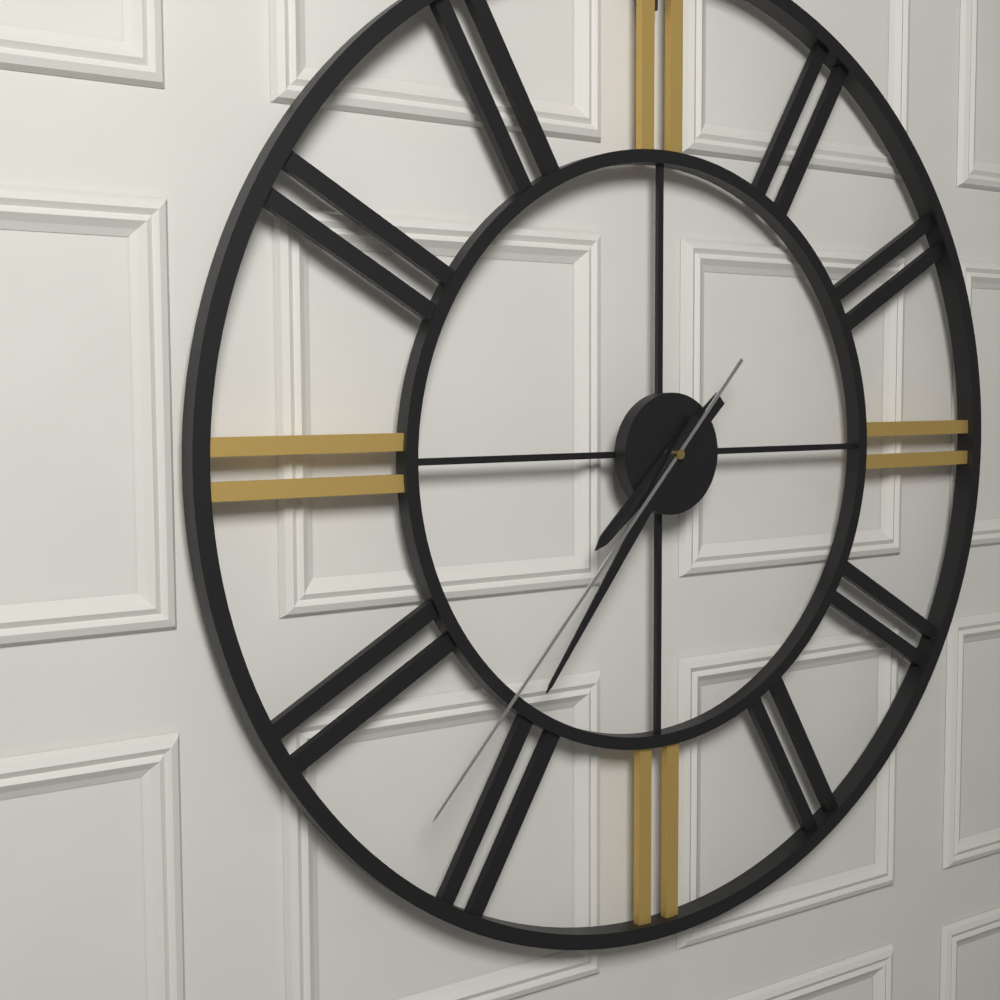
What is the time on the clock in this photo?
7:36:37
